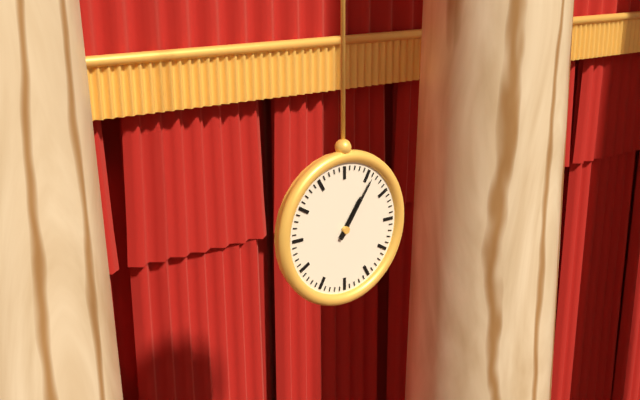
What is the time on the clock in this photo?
1:06
